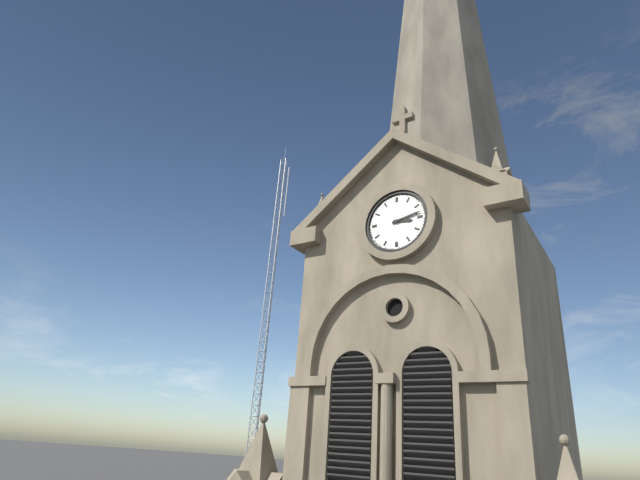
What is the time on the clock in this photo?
3:13
